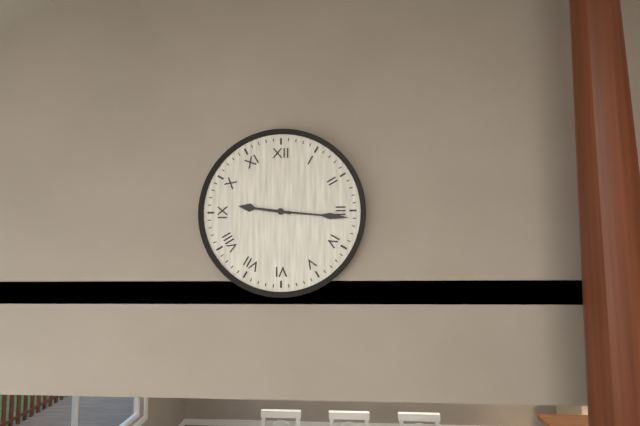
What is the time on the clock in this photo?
9:16
